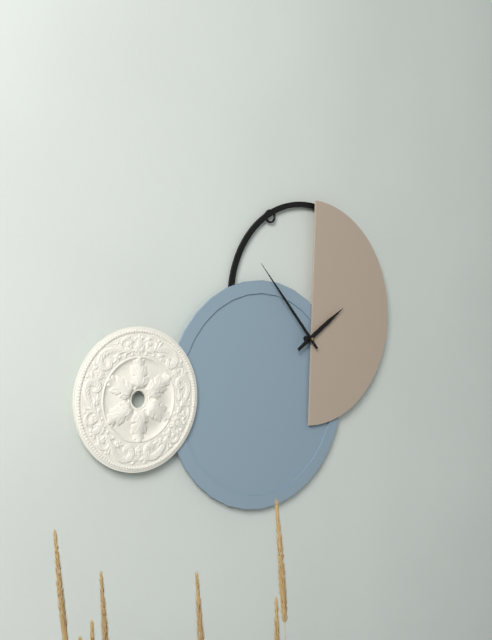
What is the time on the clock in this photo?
1:53
